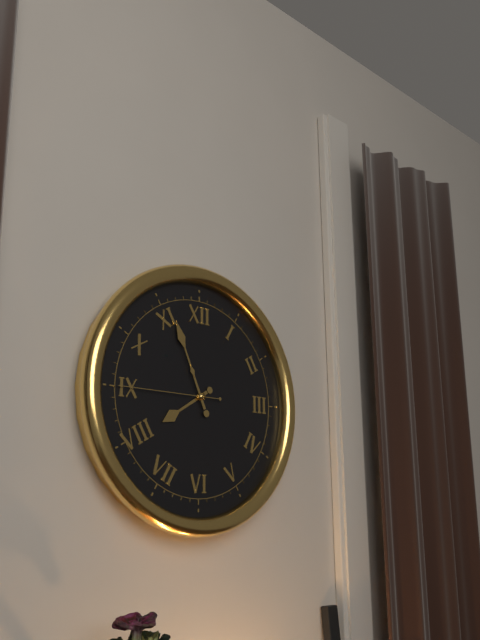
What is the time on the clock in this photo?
7:56:45
